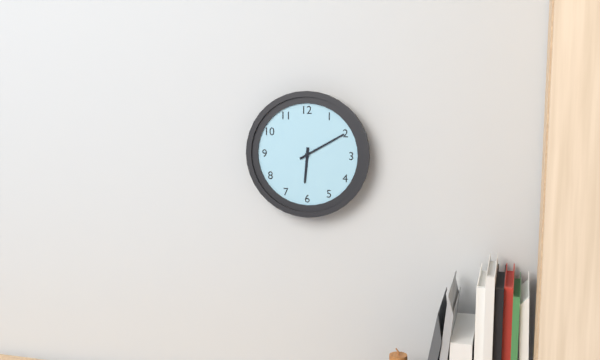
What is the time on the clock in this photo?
6:10
